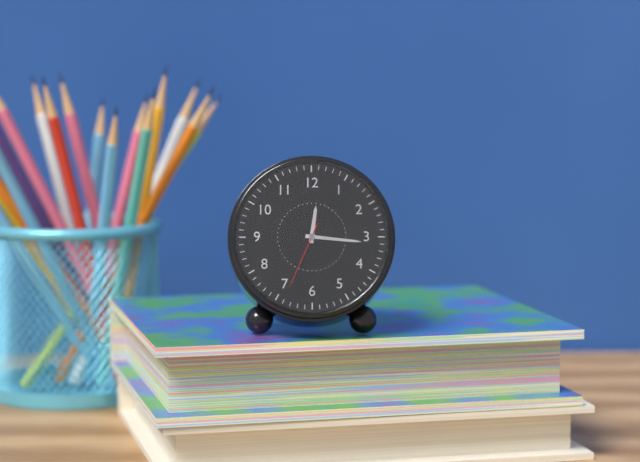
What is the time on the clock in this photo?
12:16:34
